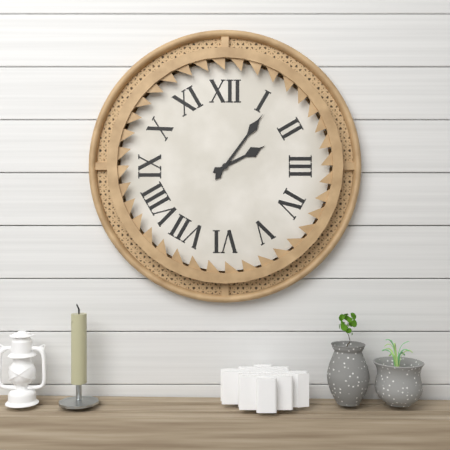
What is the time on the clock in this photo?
2:06
